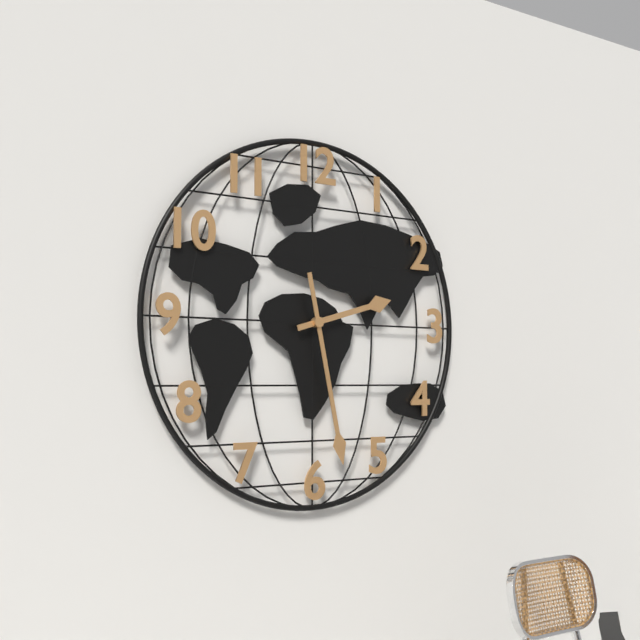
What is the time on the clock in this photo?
2:28
